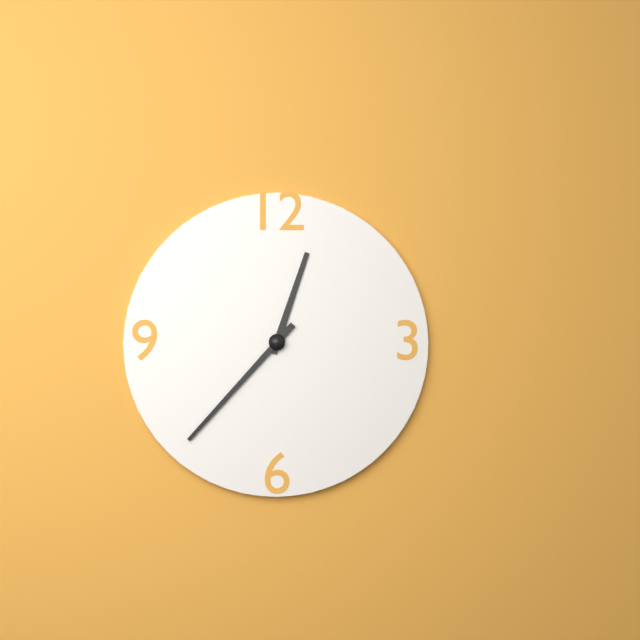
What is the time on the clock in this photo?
12:37
